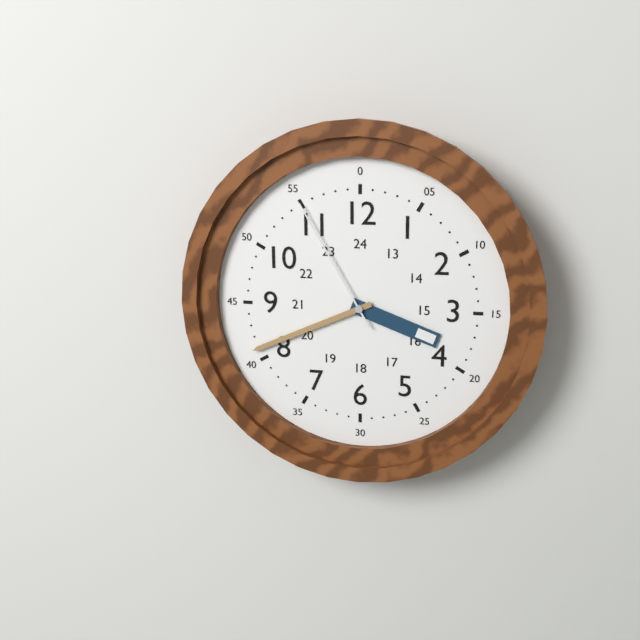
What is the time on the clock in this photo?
3:41:55
